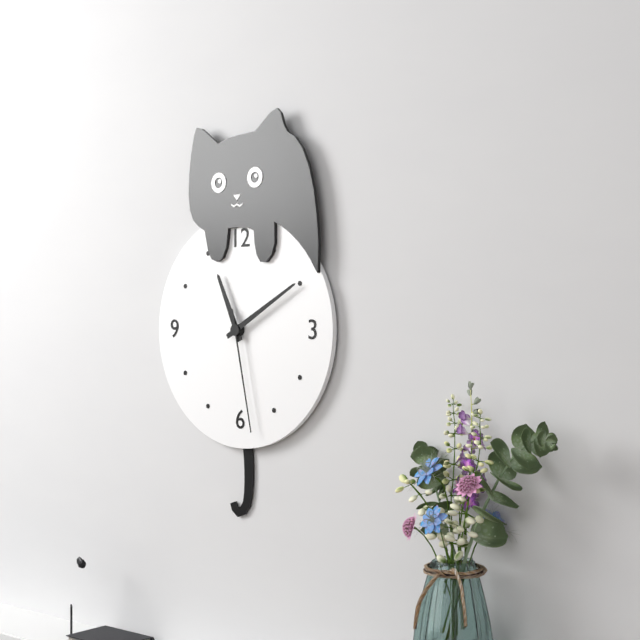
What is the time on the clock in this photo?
11:10:28
